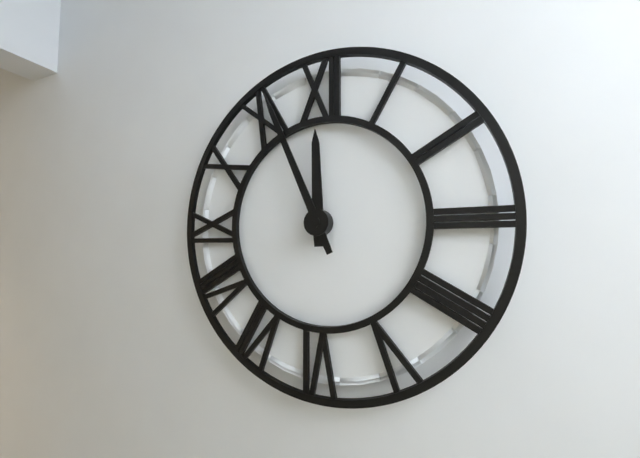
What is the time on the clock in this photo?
11:56
